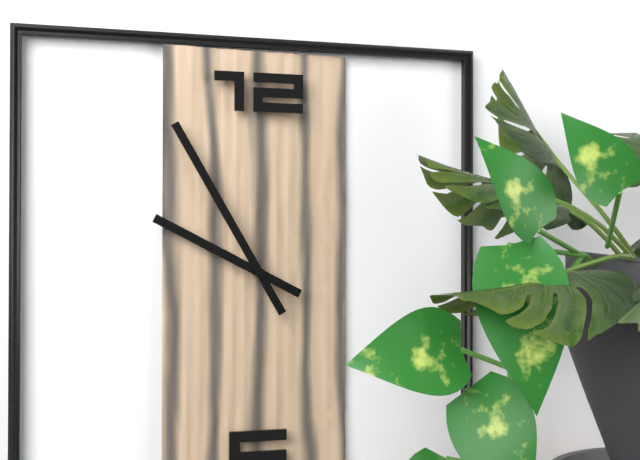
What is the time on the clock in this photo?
9:55
